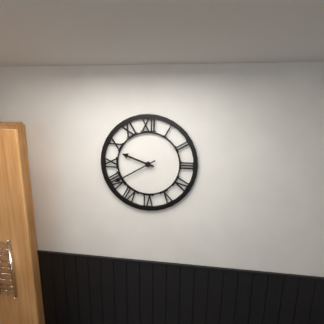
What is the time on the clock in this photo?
9:40
